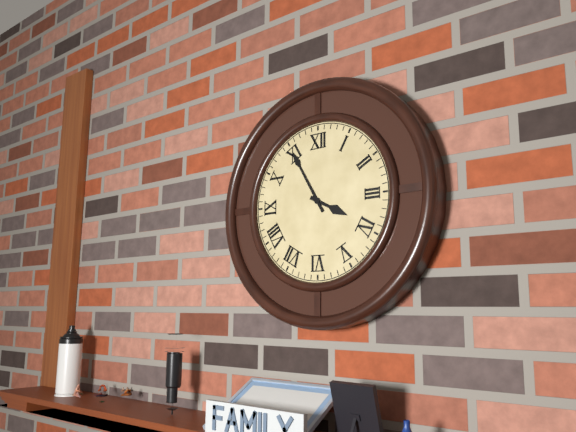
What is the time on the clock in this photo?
3:55
